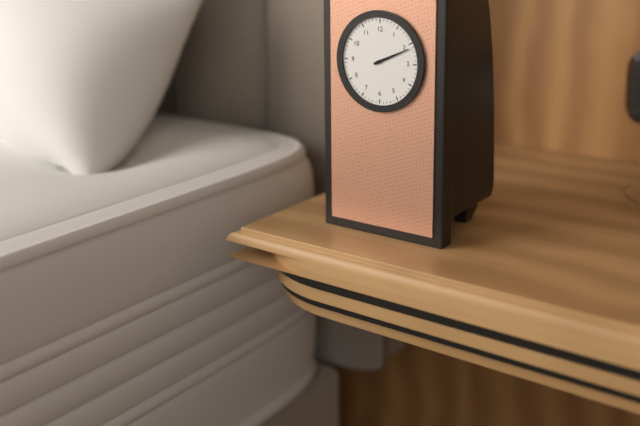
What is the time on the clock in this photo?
2:11
